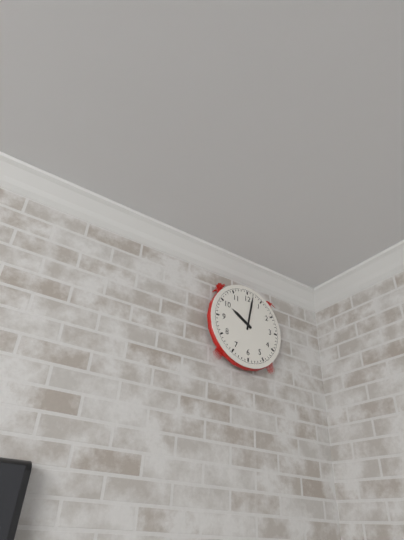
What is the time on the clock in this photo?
10:02
